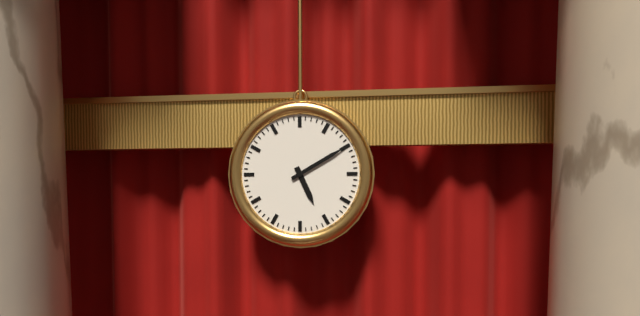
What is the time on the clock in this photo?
5:10
